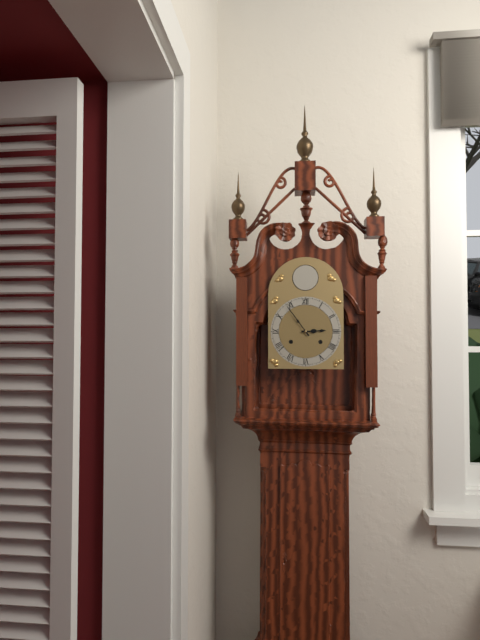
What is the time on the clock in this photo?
2:54
